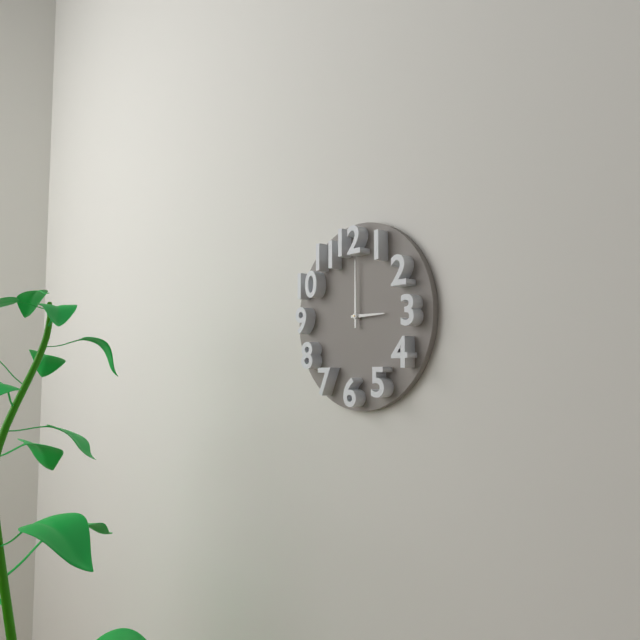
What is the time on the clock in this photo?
3:00
